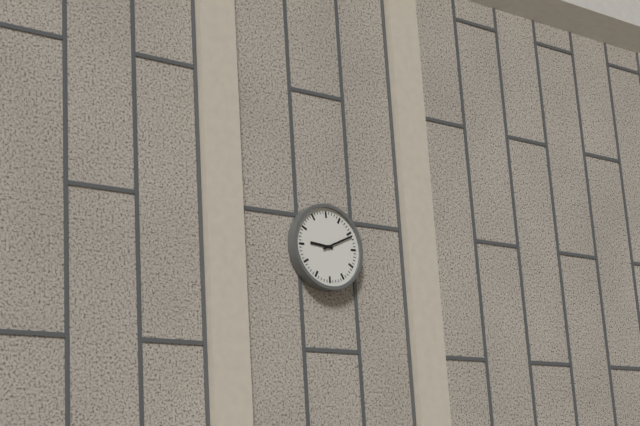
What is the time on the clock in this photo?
9:11
